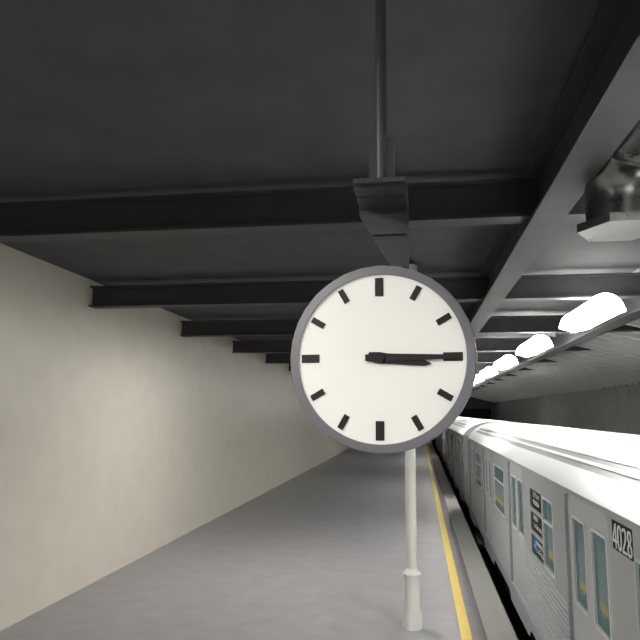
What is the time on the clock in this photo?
3:15
